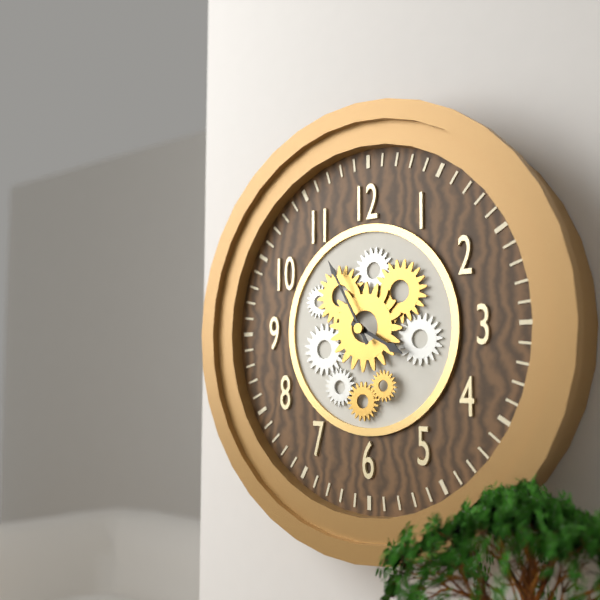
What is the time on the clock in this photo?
3:55
